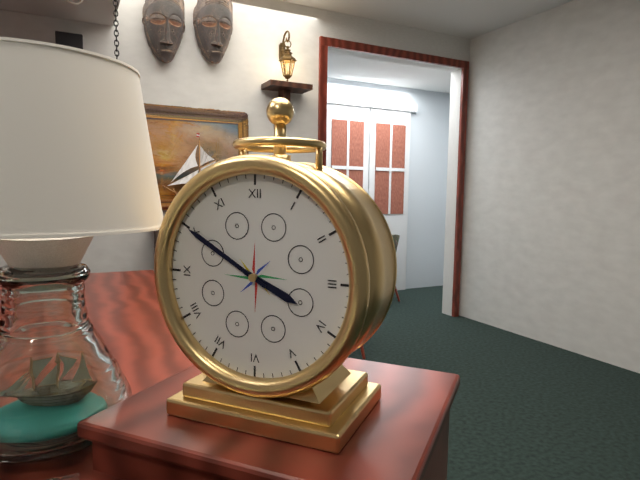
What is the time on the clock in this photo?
3:50
